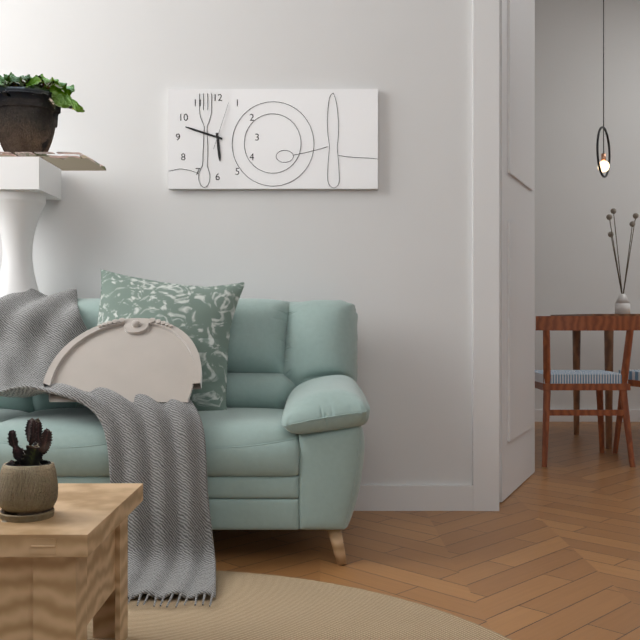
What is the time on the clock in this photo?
5:48
